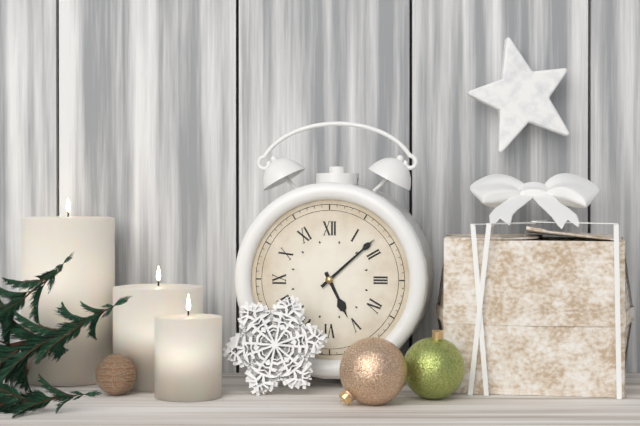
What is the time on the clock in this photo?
5:08
